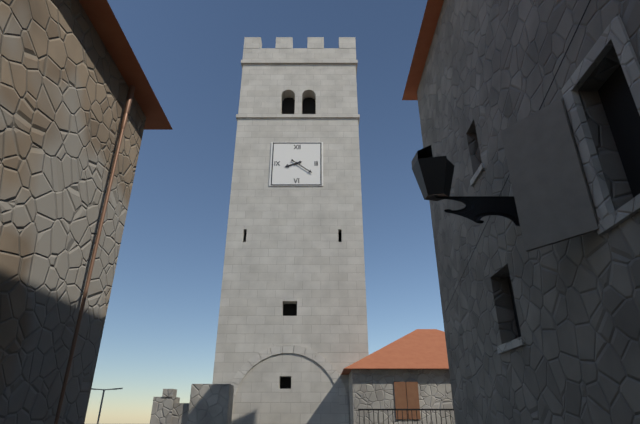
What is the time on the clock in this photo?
8:21
